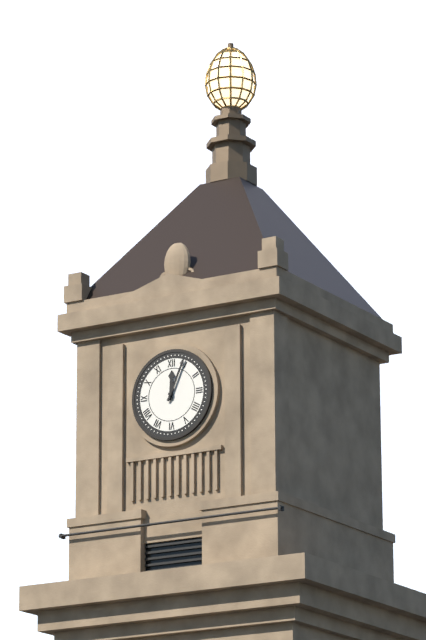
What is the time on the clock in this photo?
12:04
